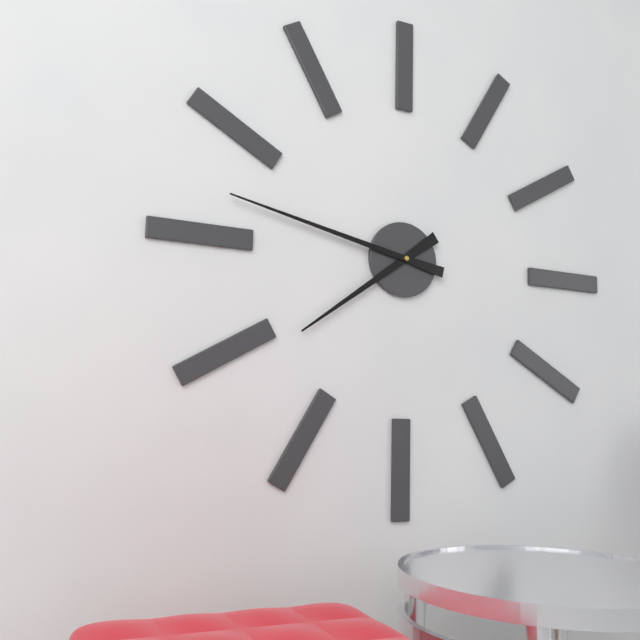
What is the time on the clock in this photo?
7:47
